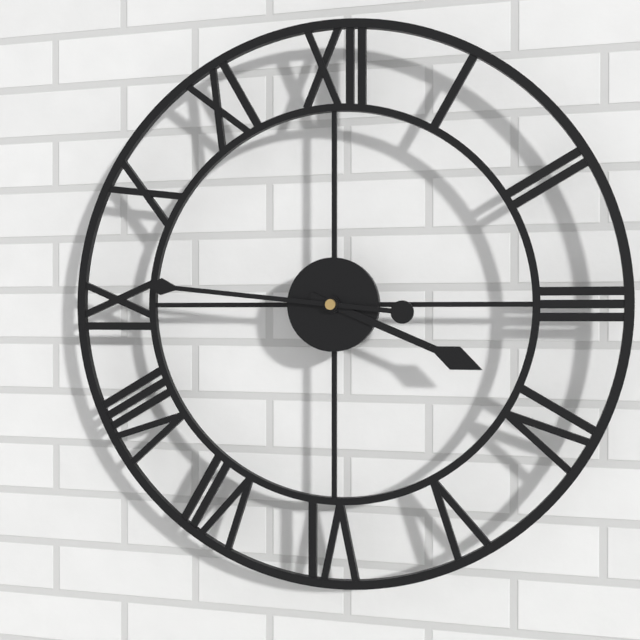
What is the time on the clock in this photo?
3:46
